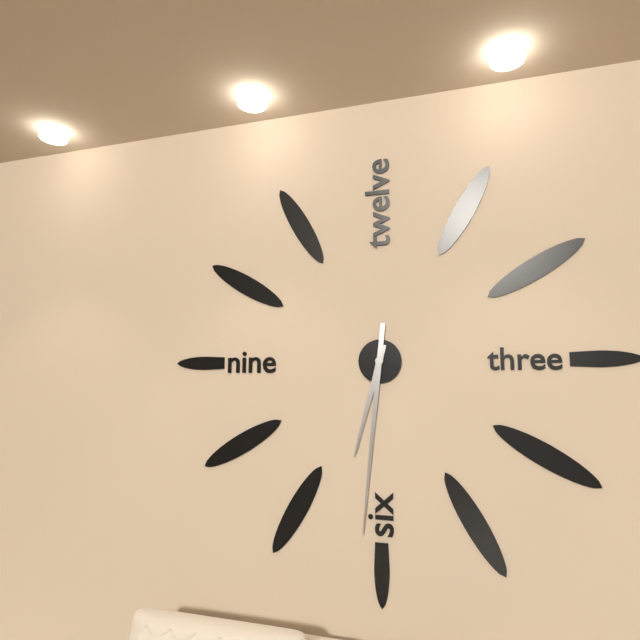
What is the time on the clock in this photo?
6:31
